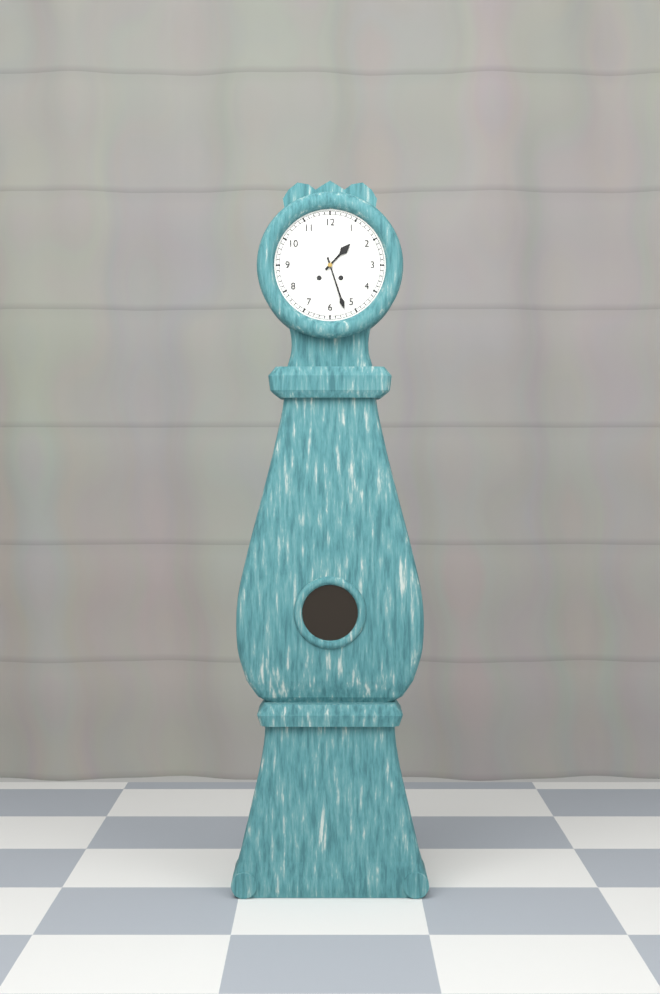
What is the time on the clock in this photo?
1:27
